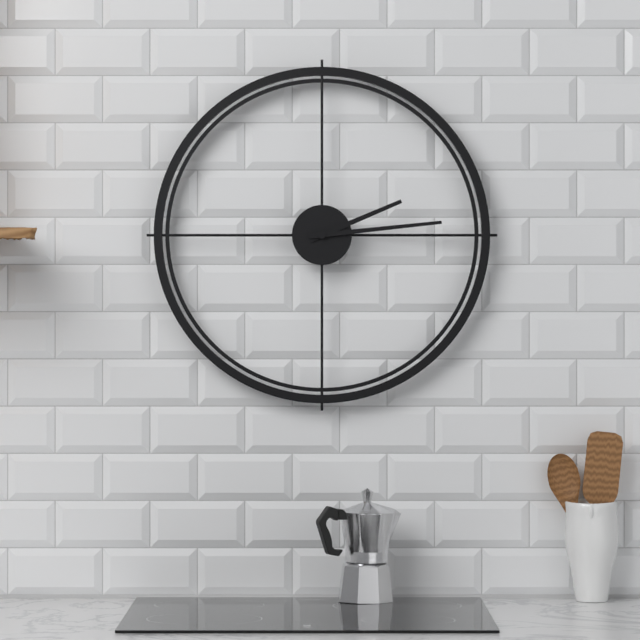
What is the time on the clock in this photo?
2:14
